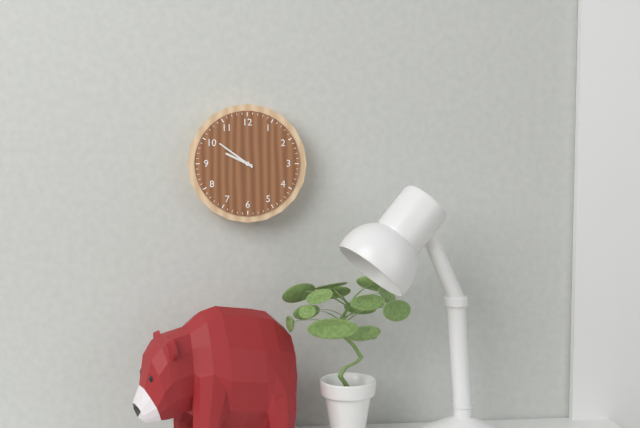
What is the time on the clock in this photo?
9:51
